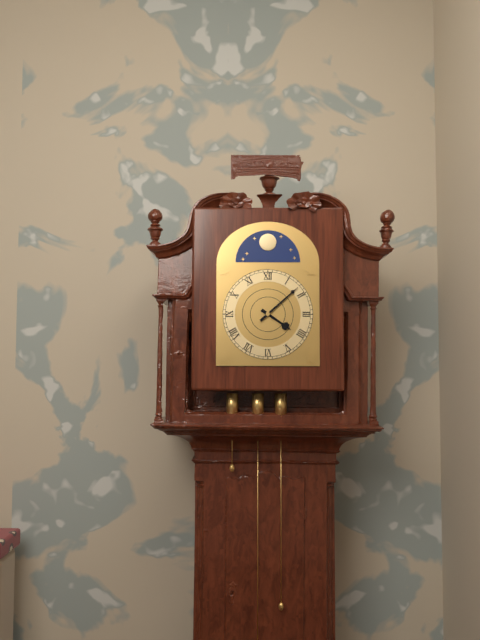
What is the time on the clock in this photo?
4:08
